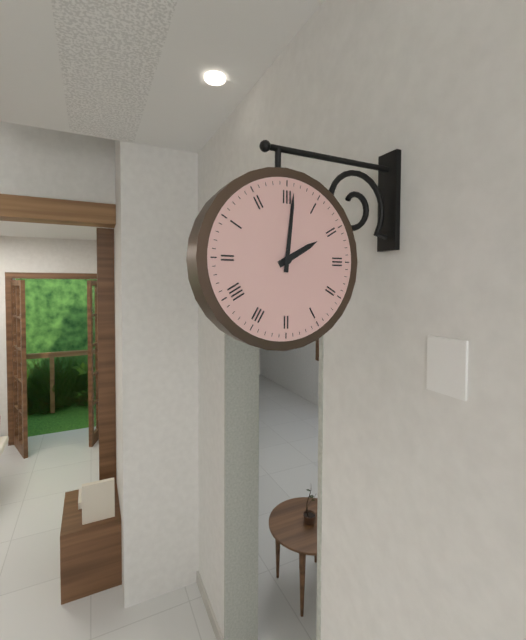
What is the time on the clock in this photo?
2:01
